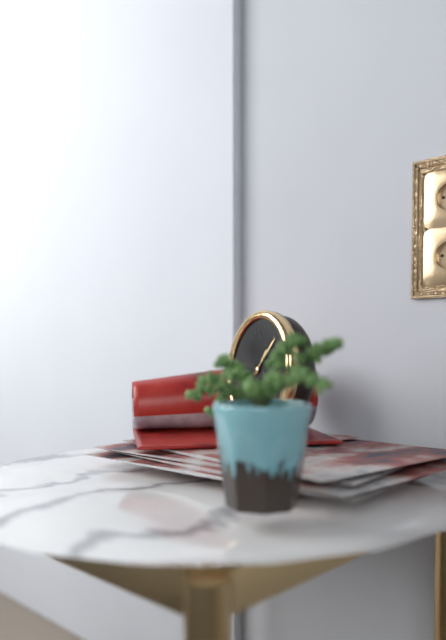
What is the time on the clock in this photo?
1:07
